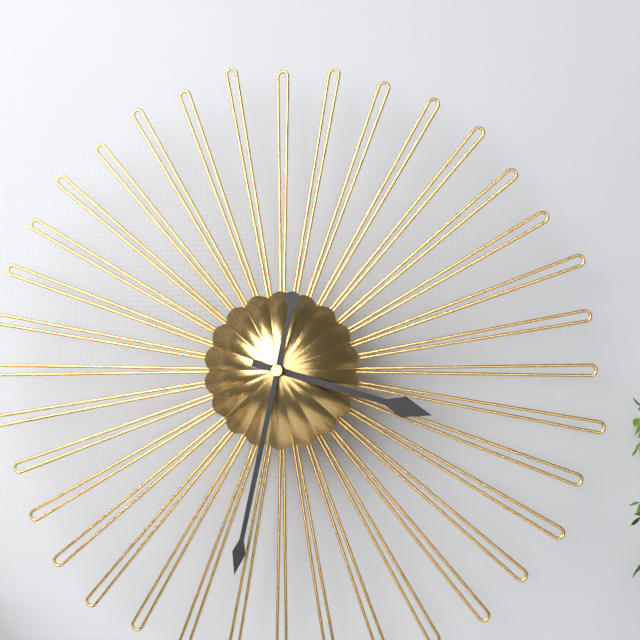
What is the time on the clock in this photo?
3:32
